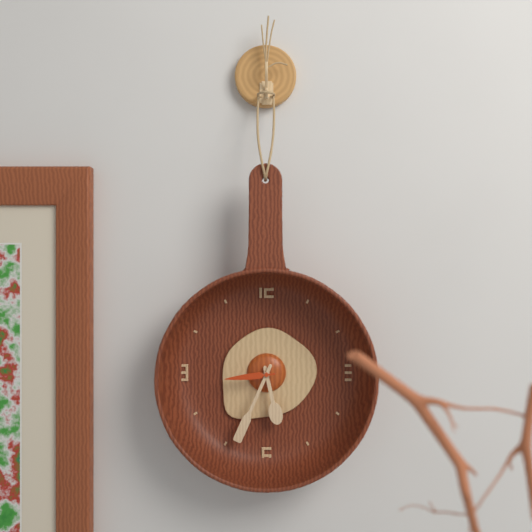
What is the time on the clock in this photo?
5:34:44
